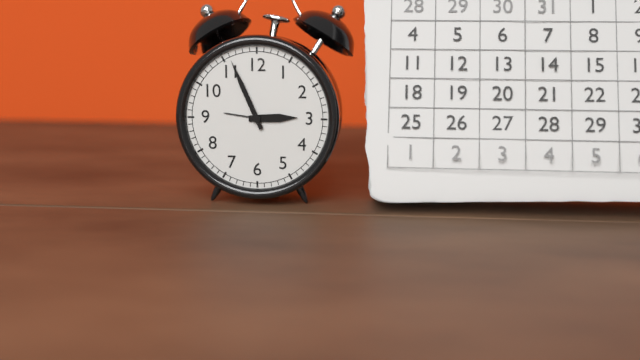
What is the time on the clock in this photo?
2:56
